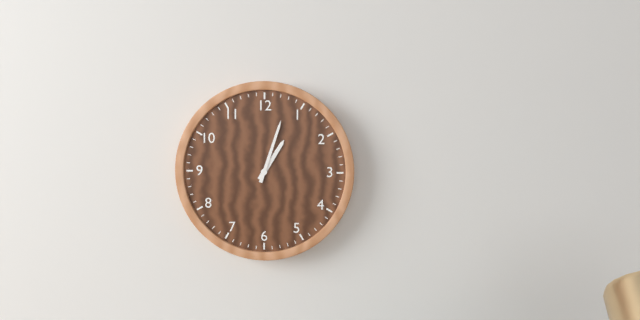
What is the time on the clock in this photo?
1:03
